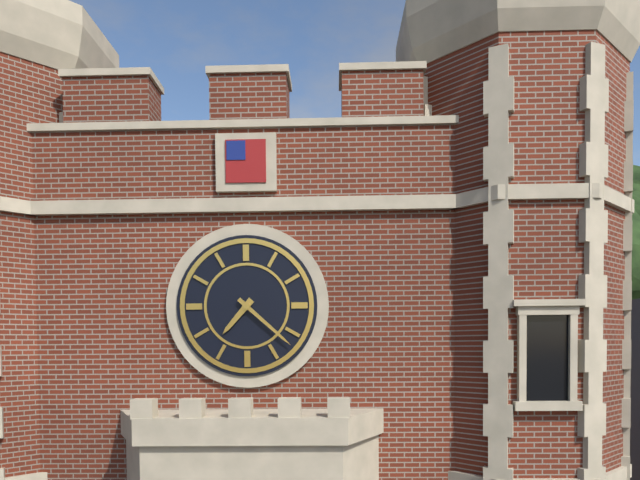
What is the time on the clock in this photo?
7:22
